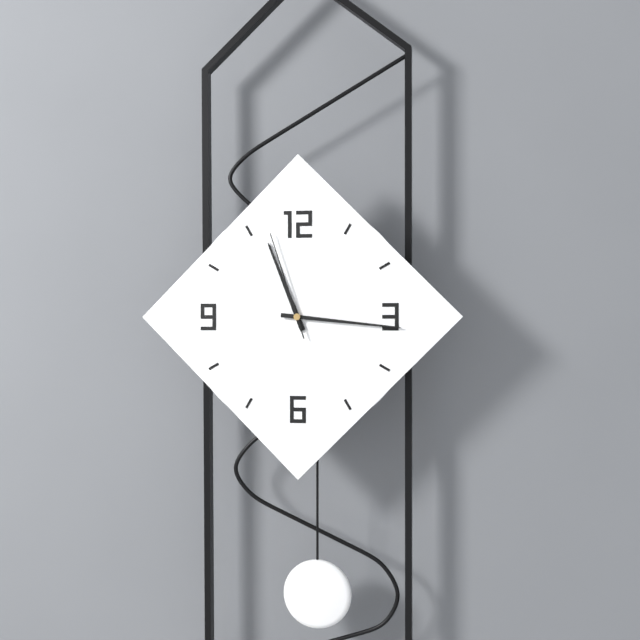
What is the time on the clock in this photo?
11:16:57
